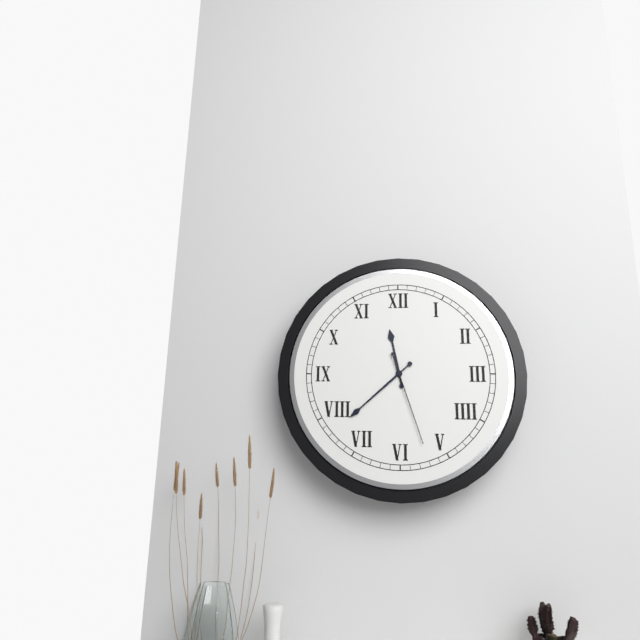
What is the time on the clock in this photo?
11:38:27
